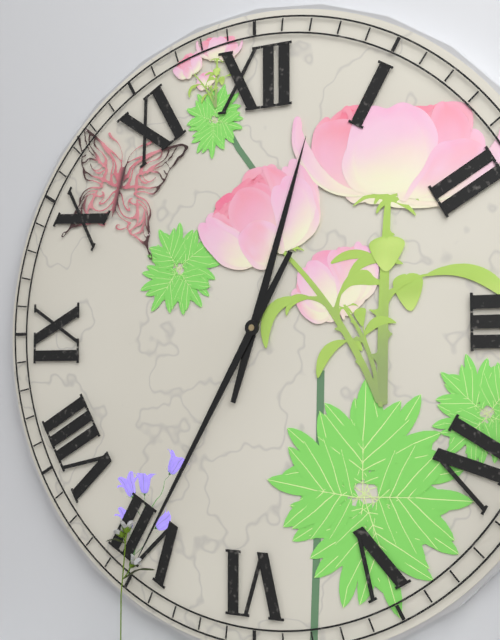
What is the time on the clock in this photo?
12:35
